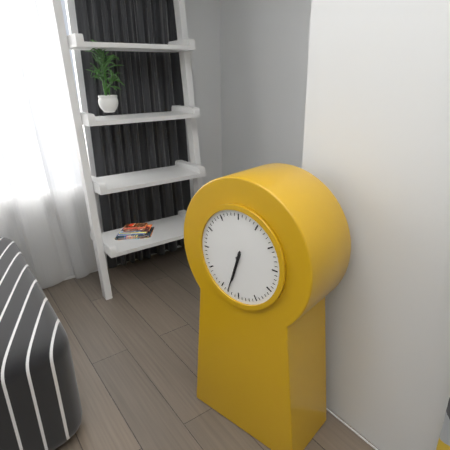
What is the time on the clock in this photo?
6:33
